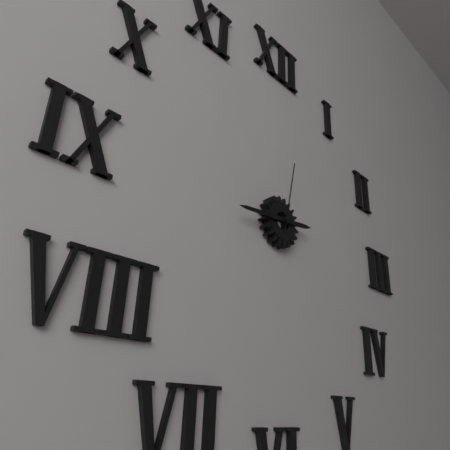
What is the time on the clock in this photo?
2:44:02
